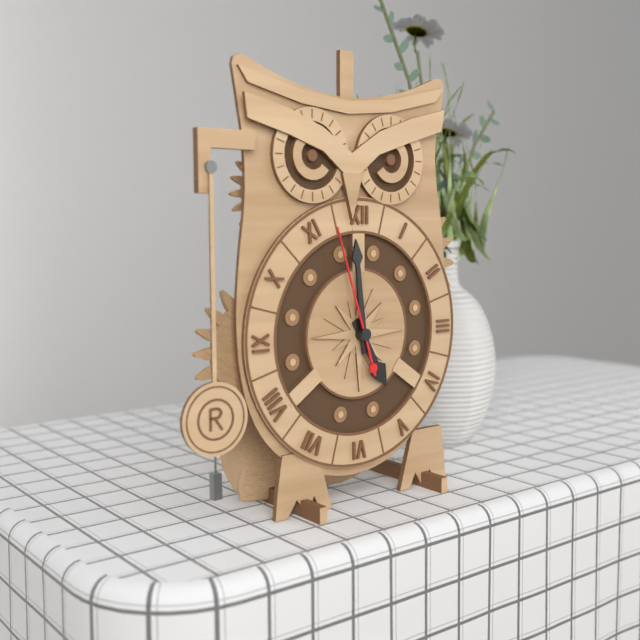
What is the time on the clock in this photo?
4:59:57
